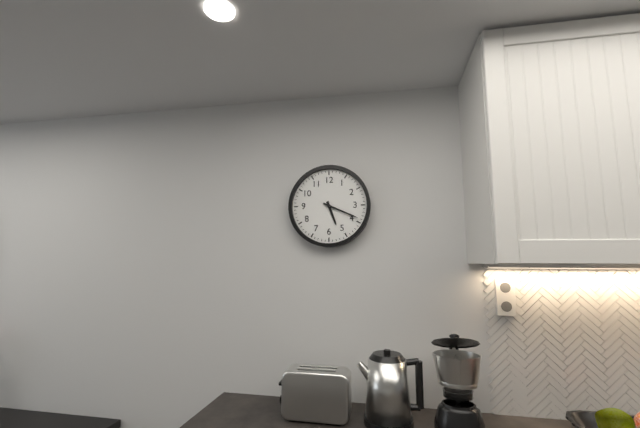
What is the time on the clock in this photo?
5:19
